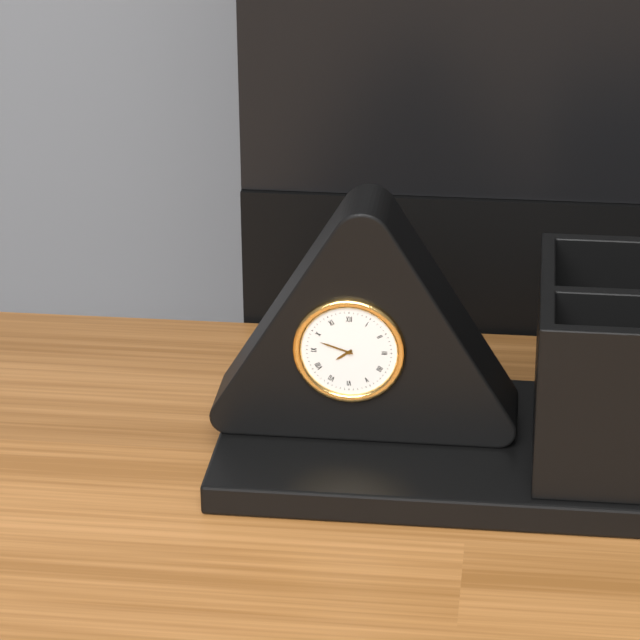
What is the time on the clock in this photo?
7:48
